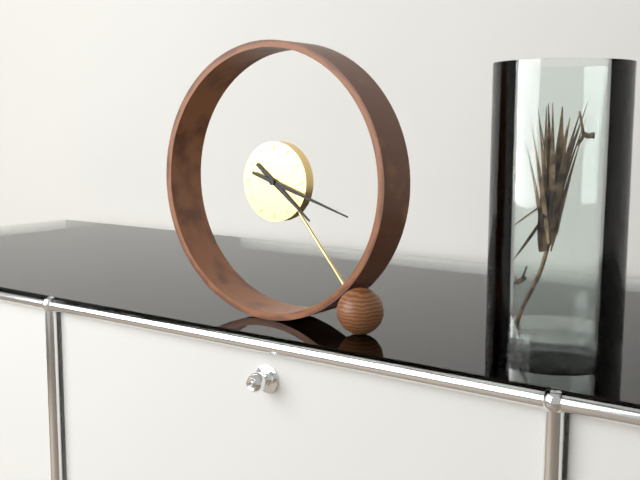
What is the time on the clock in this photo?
4:18
